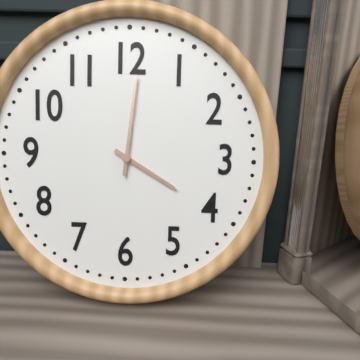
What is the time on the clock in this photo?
4:01
